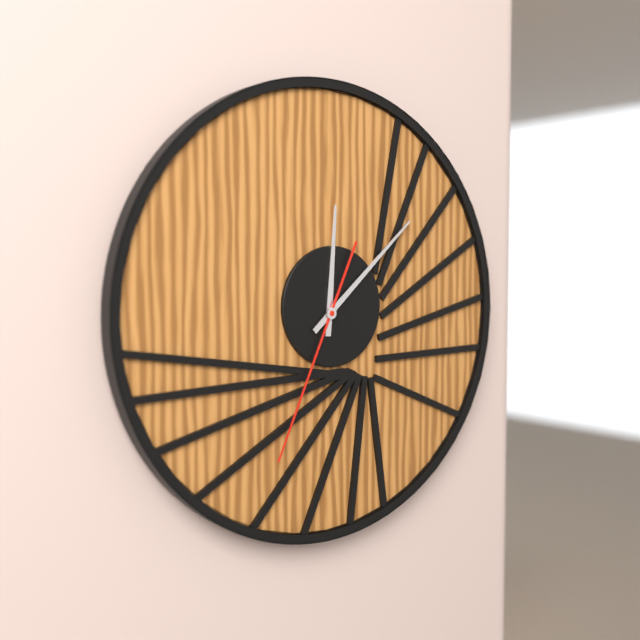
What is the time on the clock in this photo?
12:08:34
